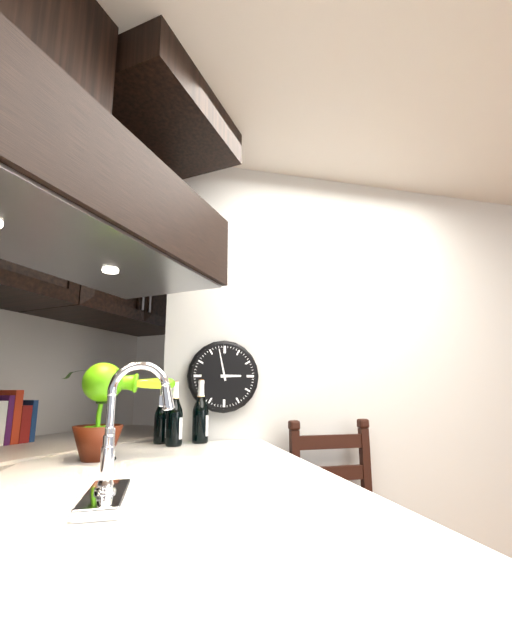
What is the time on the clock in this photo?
2:58
